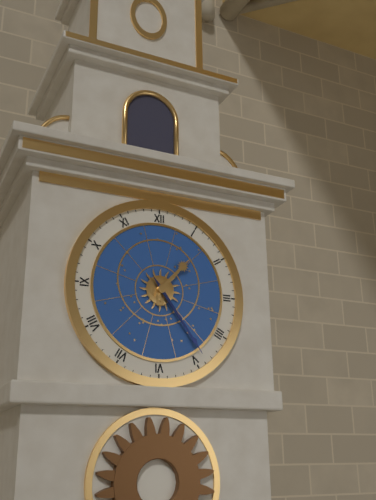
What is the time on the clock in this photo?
1:24
